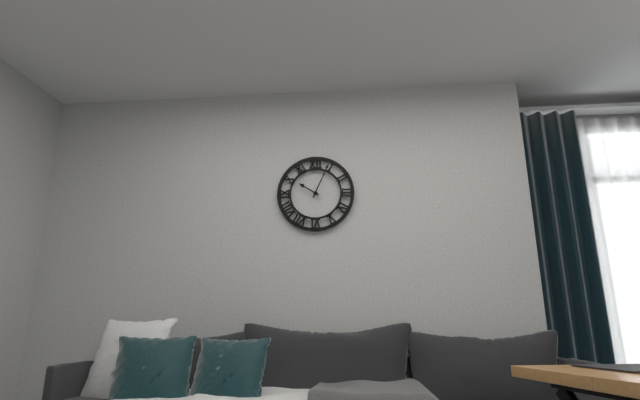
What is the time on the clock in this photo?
10:04
